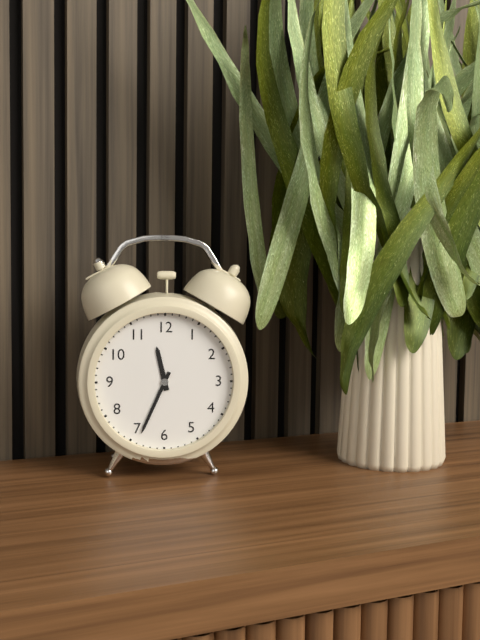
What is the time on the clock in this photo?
11:34
